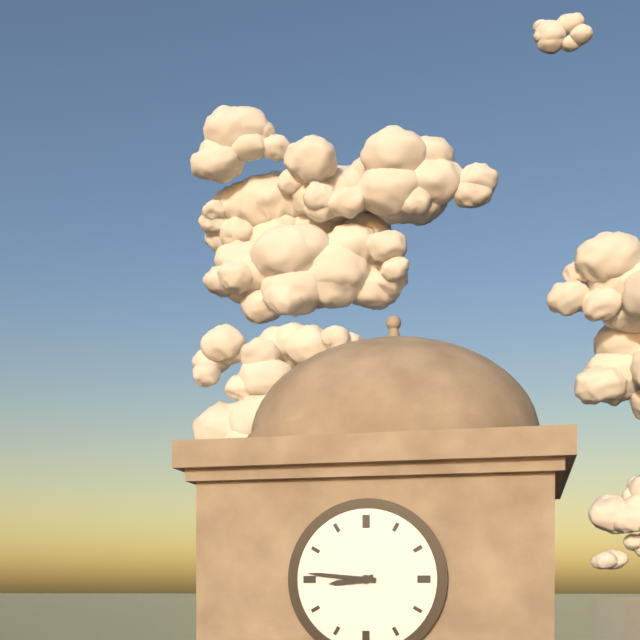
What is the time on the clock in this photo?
8:46
